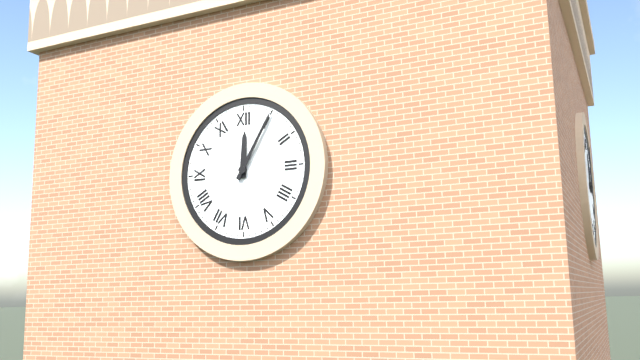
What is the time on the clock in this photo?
12:05
